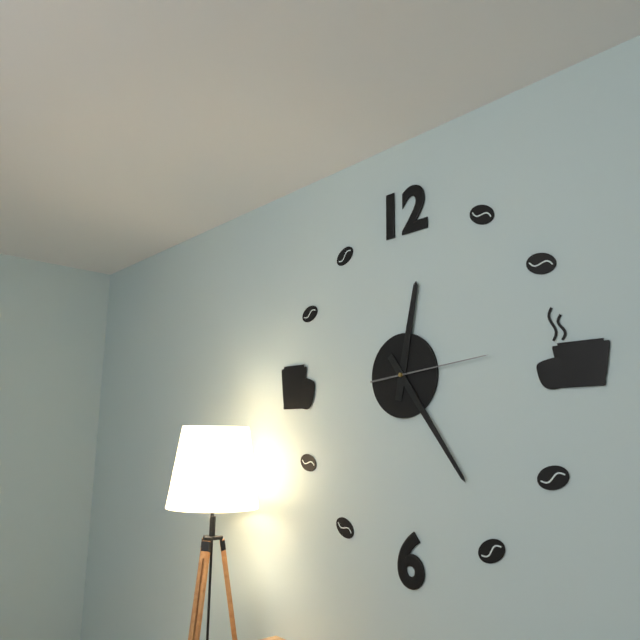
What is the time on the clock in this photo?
12:24:14
